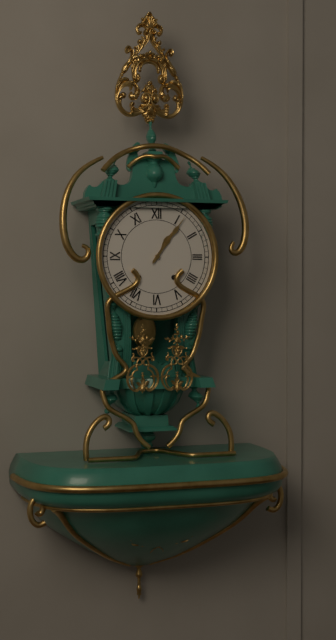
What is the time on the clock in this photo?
1:06
